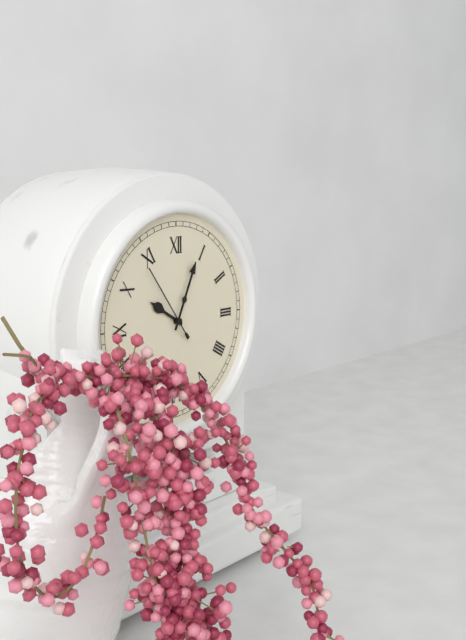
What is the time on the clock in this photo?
10:04:54
